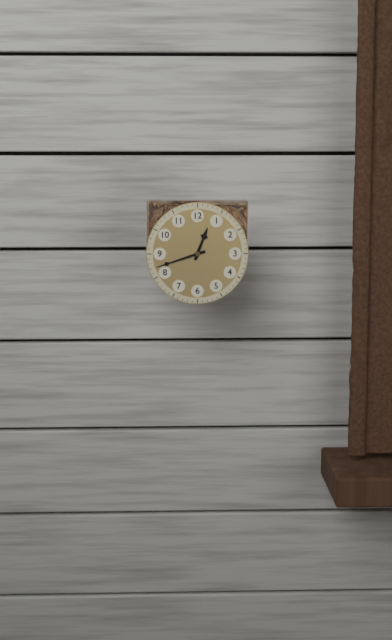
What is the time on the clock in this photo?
12:42
